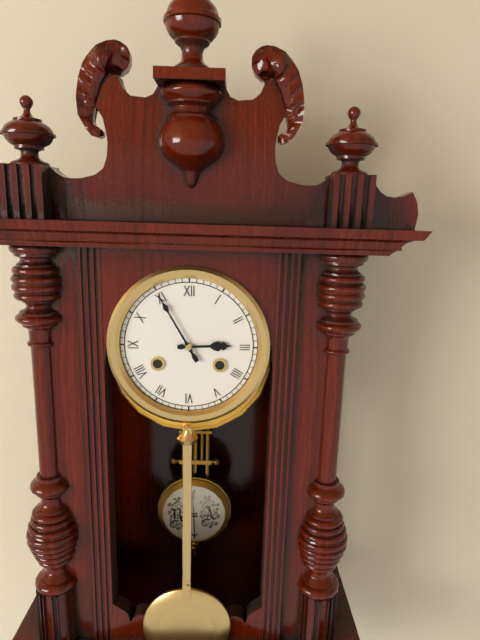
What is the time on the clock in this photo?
2:55
